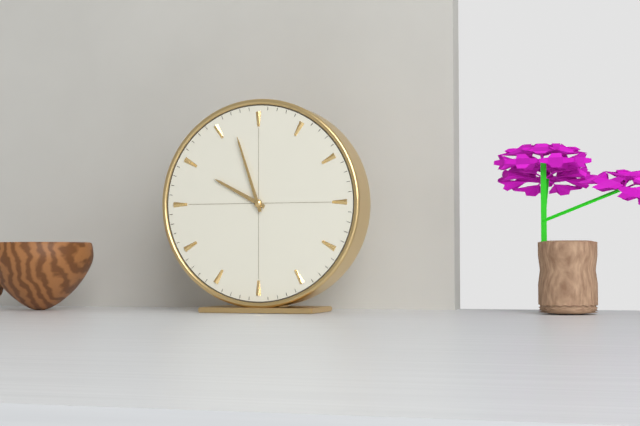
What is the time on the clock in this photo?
9:57
